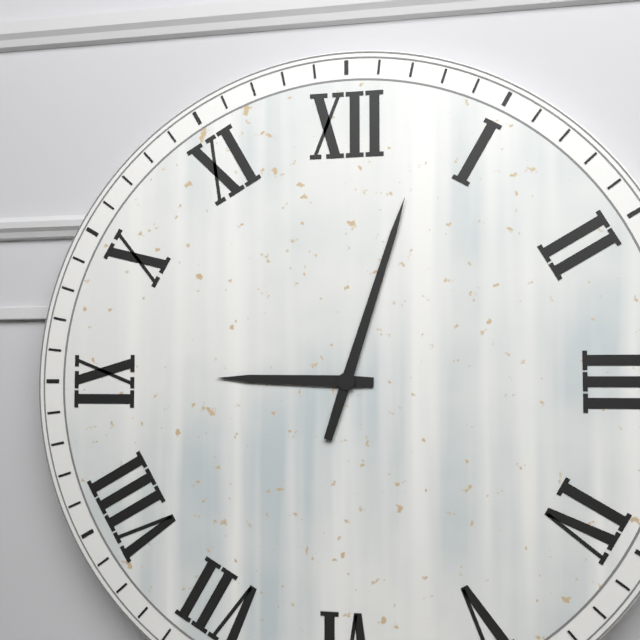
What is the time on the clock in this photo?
9:03
